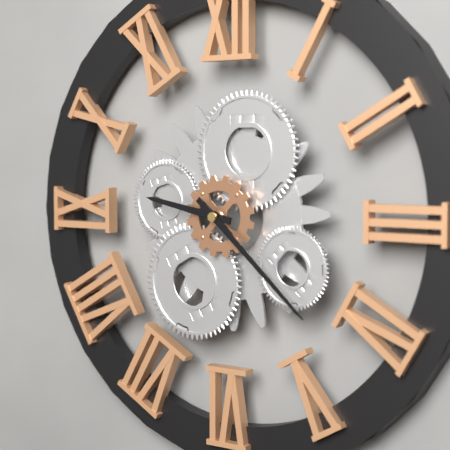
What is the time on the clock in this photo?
9:22
